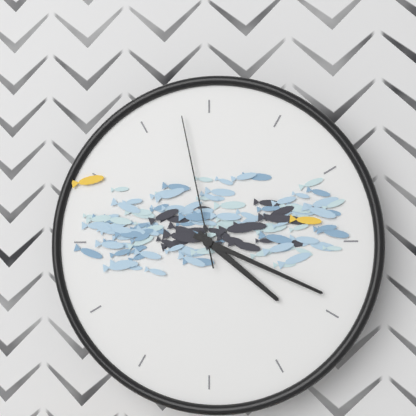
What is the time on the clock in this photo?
4:19:58
